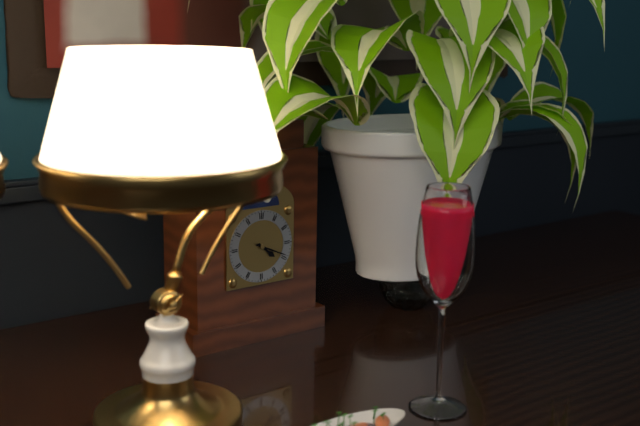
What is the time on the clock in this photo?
4:19
